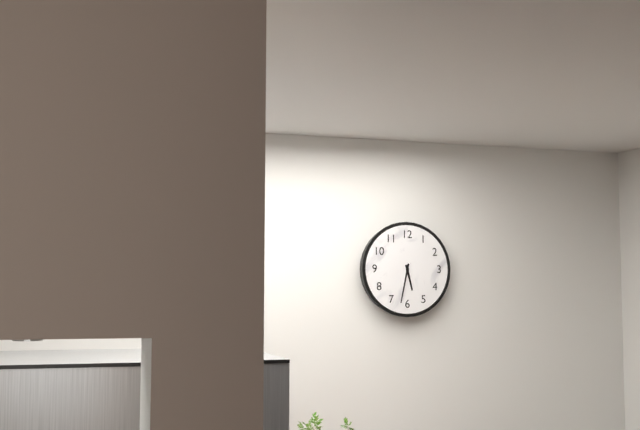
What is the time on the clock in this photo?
5:32
